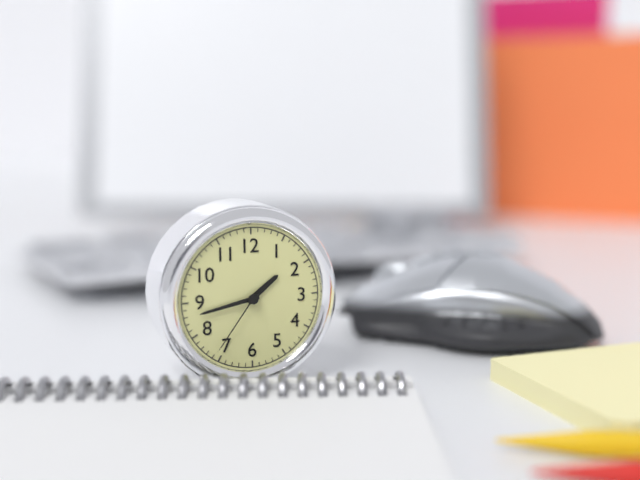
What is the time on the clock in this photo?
1:43:36
